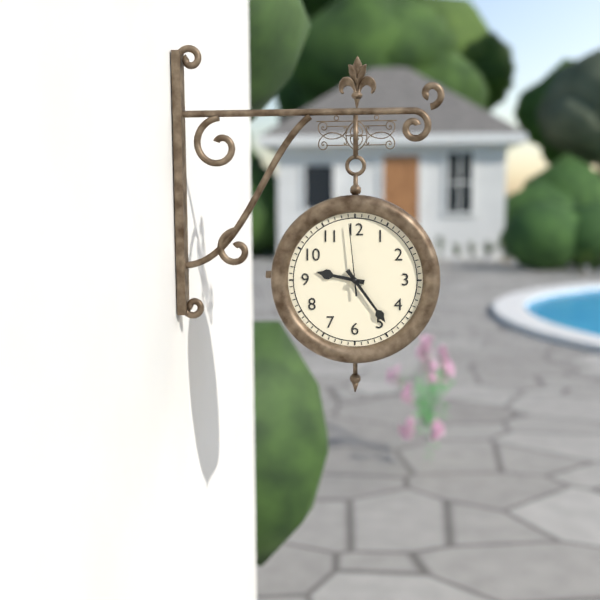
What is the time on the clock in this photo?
9:24:59
